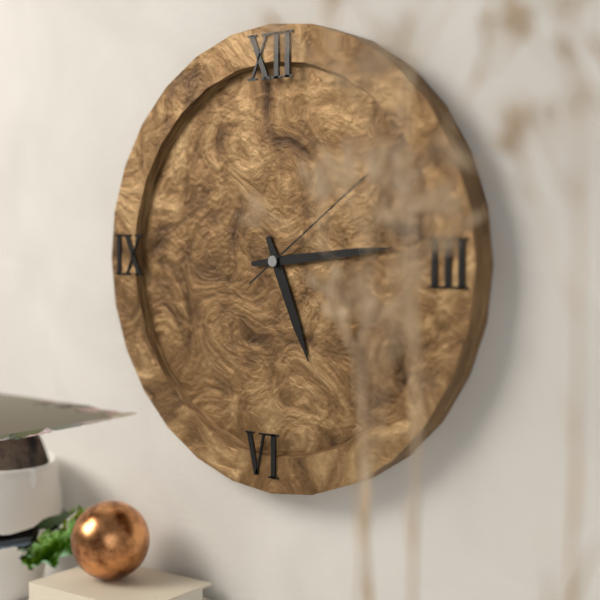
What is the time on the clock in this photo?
5:14:09
